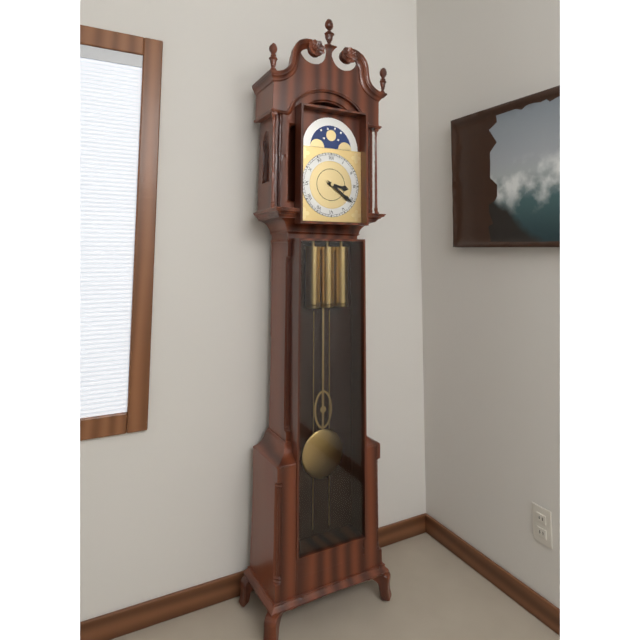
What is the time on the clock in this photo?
3:21
